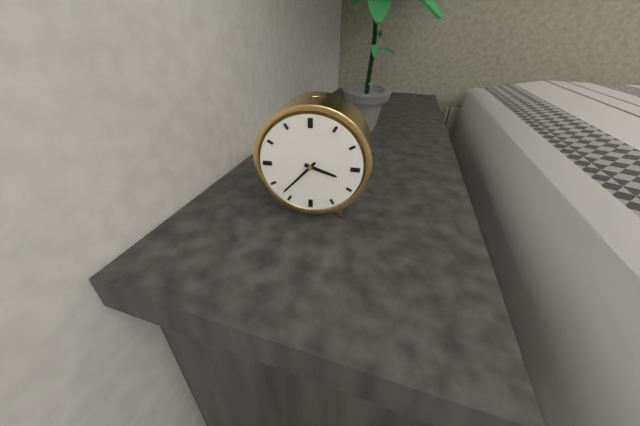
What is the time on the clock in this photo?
3:37
